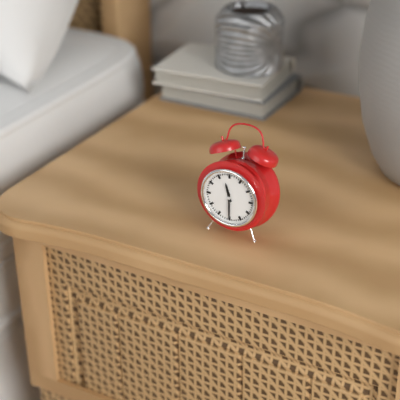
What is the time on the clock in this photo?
11:30
